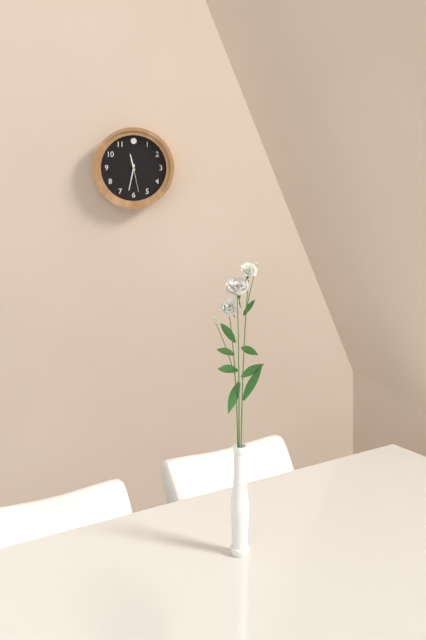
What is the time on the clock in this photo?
11:32
